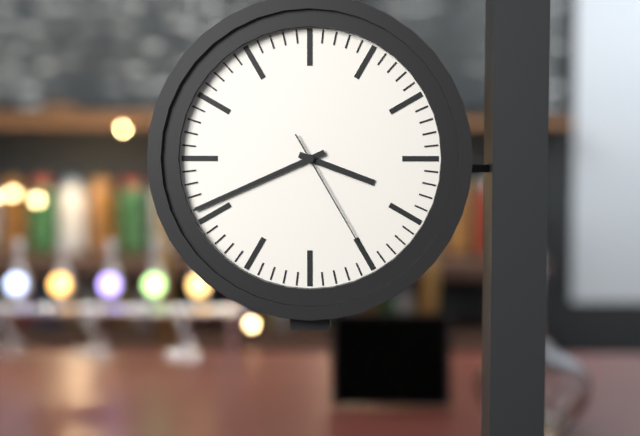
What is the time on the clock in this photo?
3:41:25
